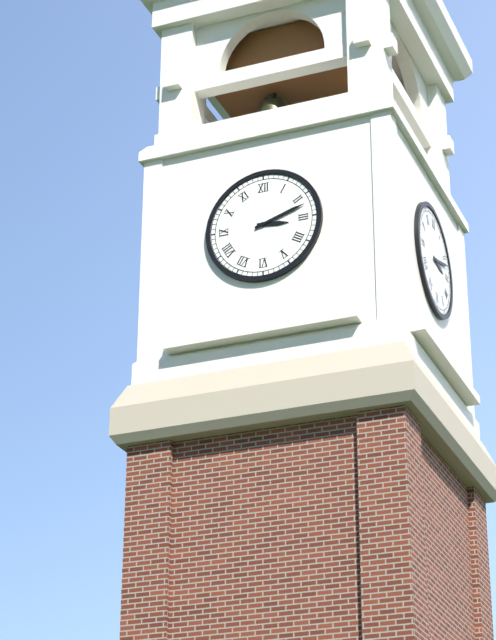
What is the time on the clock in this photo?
3:12
